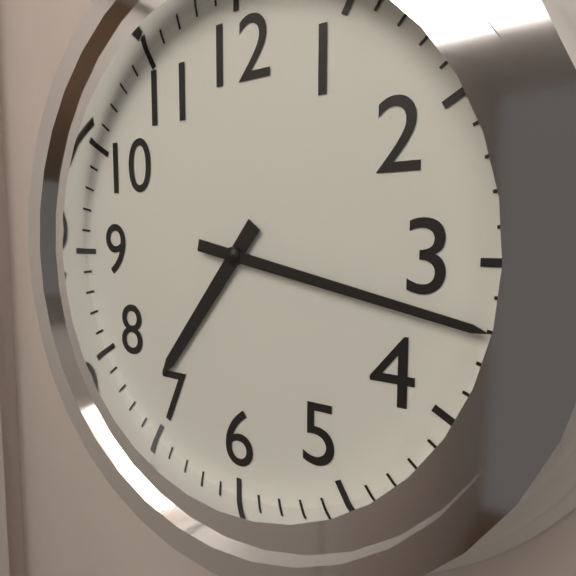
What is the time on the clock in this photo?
7:17
